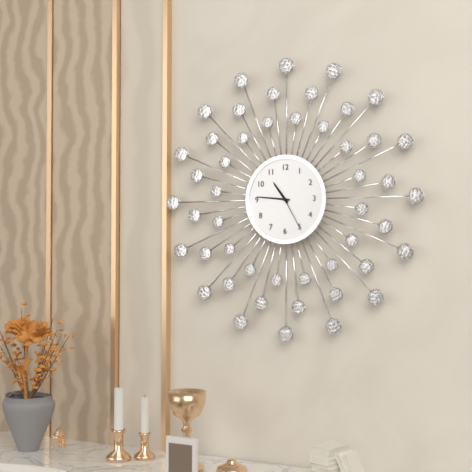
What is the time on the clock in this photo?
10:46
